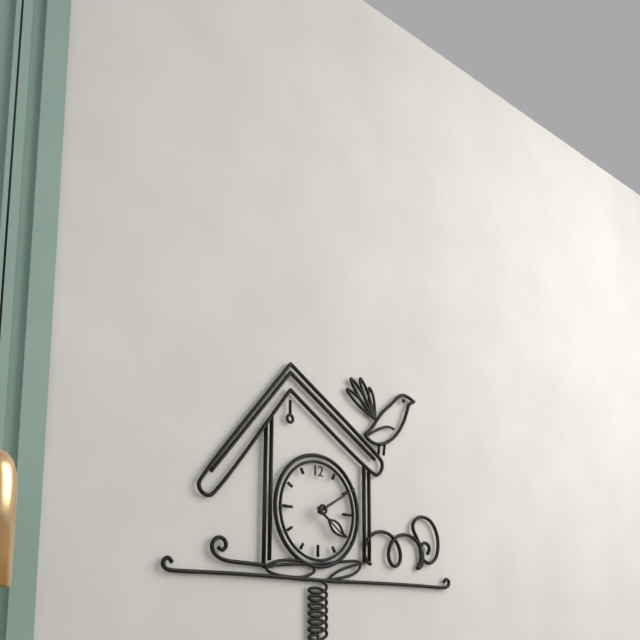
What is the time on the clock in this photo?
4:10
